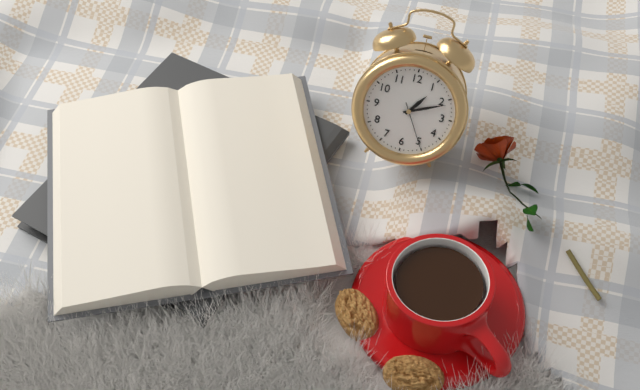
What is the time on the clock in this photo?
1:11
